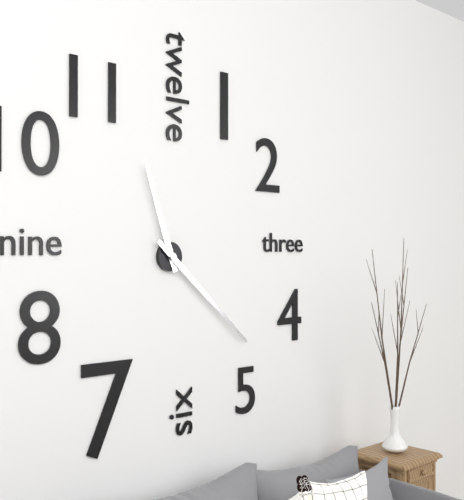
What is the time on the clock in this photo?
11:22
